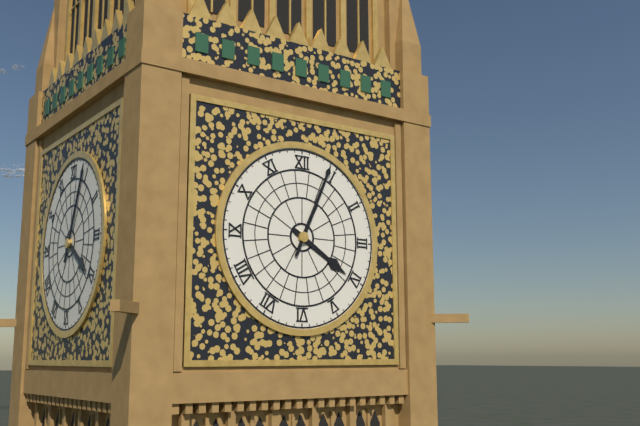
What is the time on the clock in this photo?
4:04
